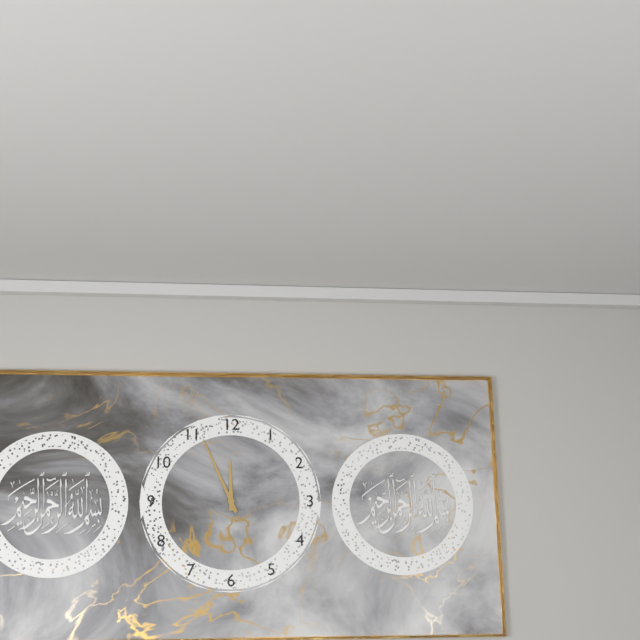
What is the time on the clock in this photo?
11:56
